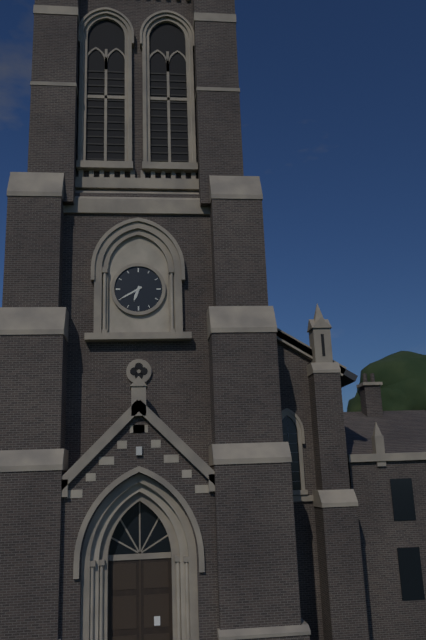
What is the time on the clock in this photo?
6:40
